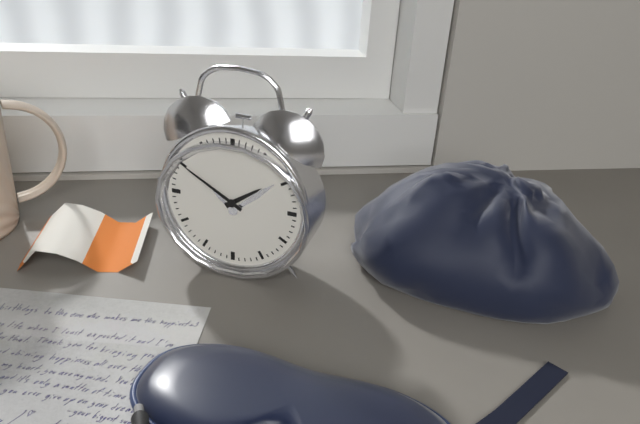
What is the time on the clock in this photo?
1:50
